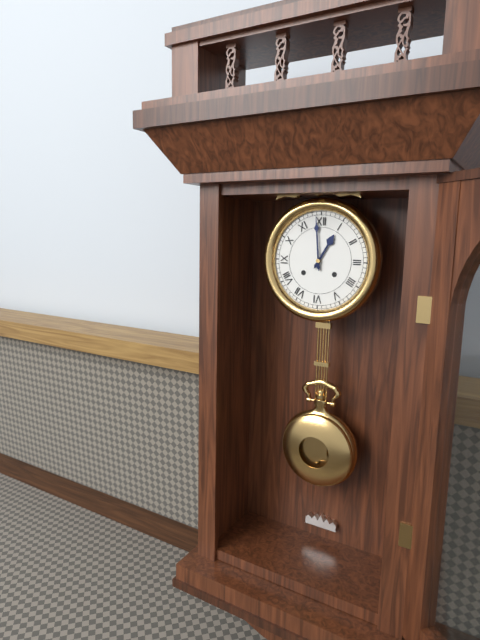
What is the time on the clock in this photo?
12:59
